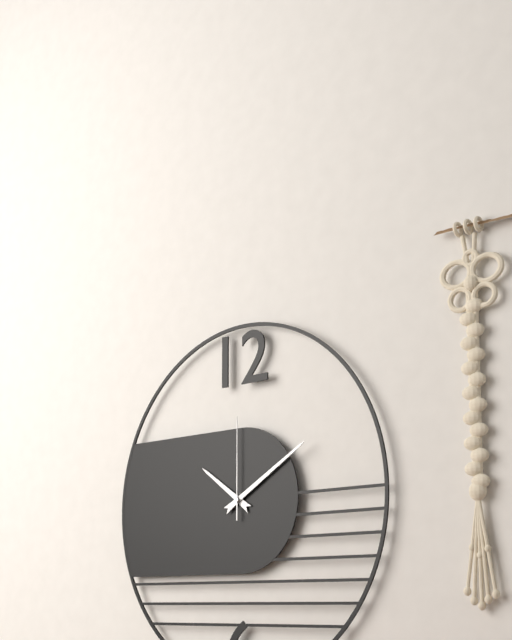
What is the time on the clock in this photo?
10:10:00
